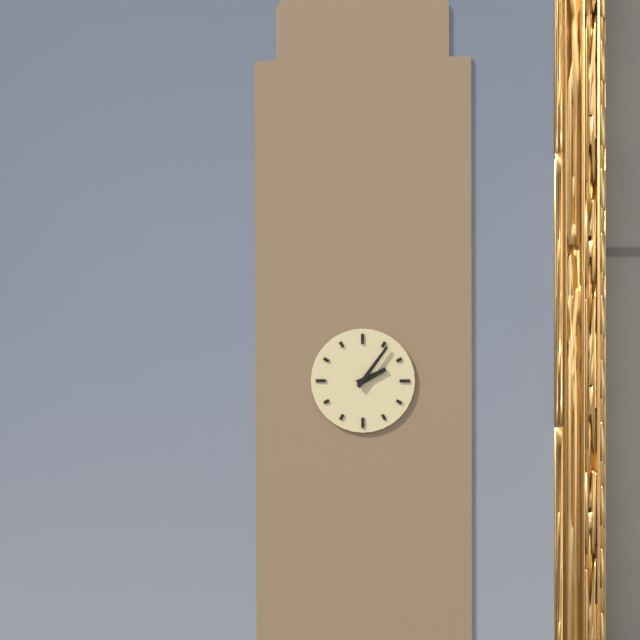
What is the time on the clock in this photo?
2:06
